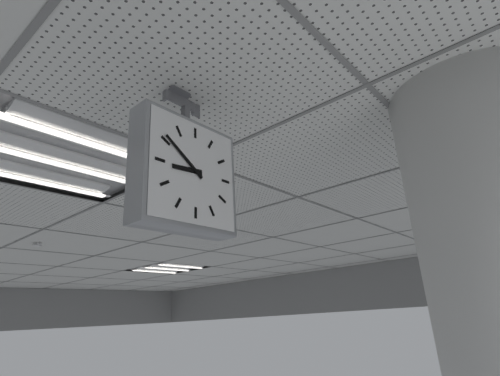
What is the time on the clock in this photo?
8:51
